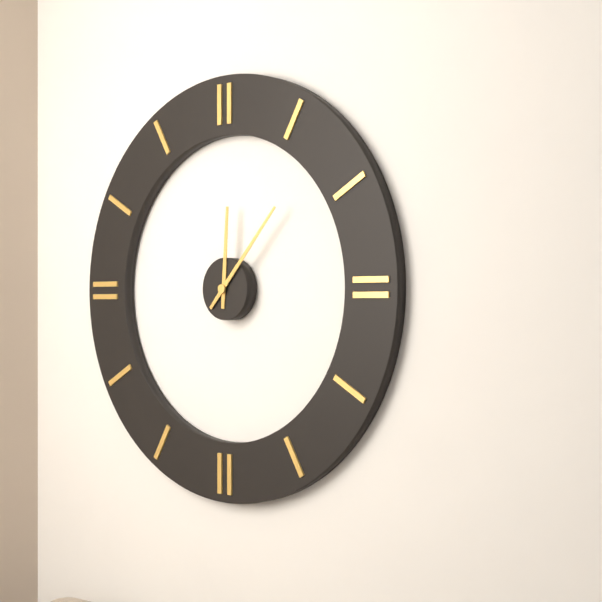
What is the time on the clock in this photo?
12:07
